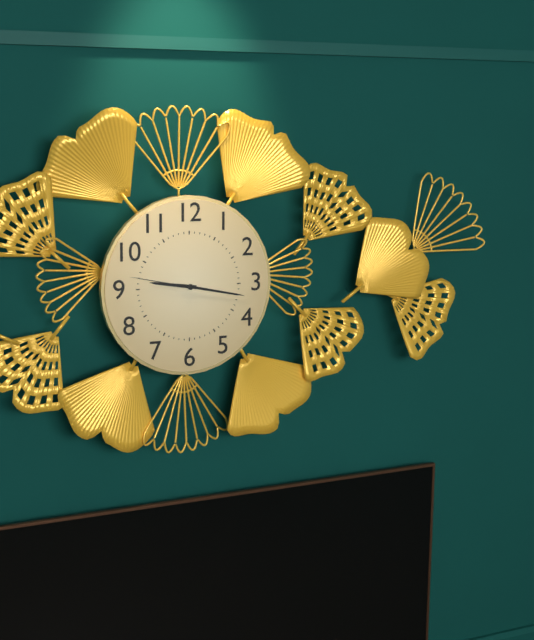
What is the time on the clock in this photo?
9:17:47
